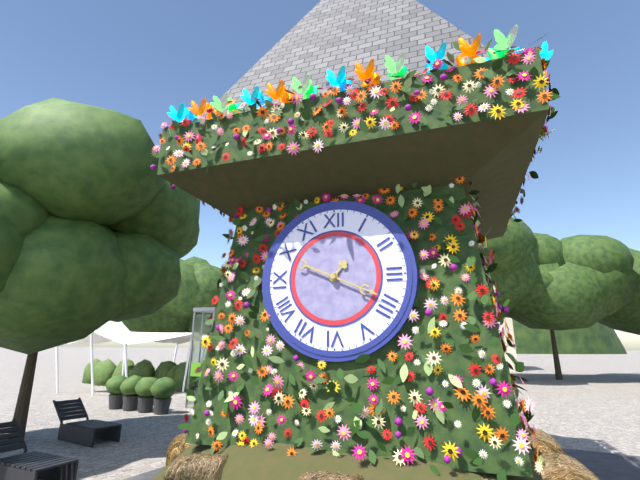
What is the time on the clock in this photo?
1:19
